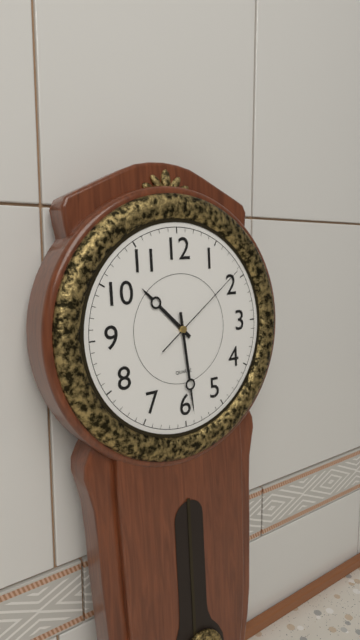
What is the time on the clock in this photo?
10:29:09
